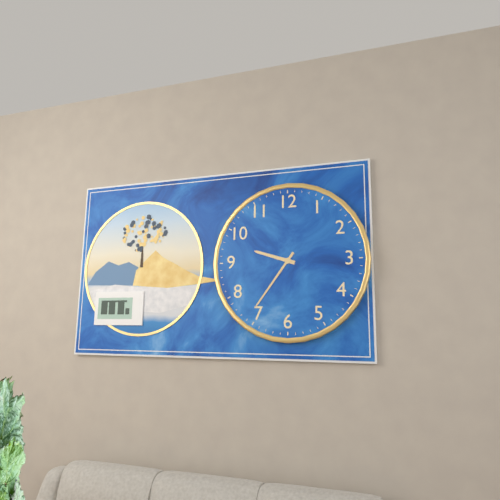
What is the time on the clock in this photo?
9:36
